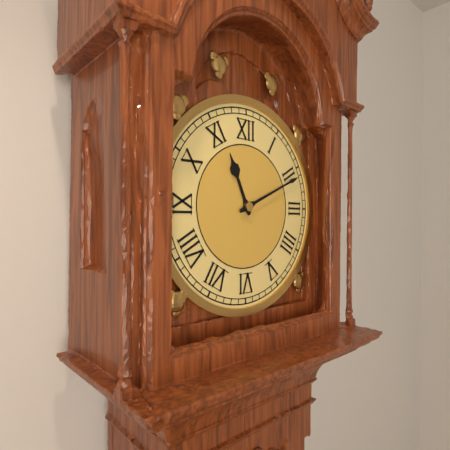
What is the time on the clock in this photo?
11:11
